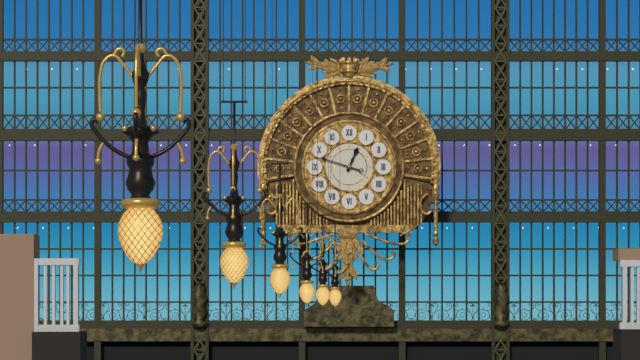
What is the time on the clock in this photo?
12:48
